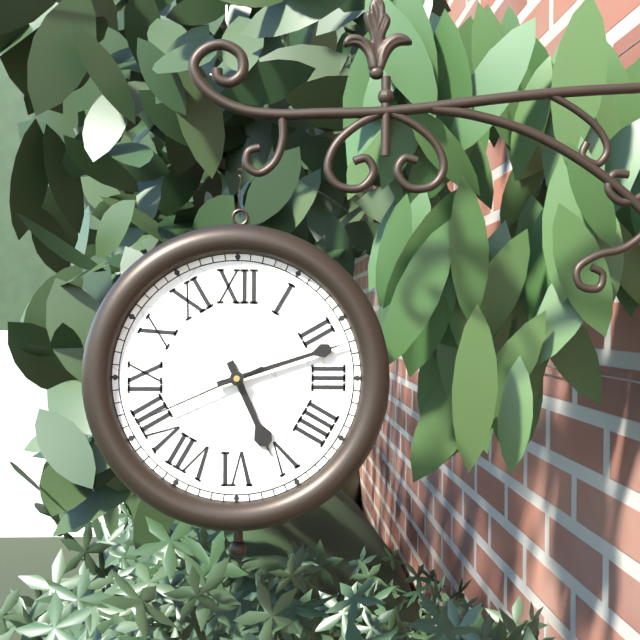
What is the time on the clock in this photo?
5:12:41
